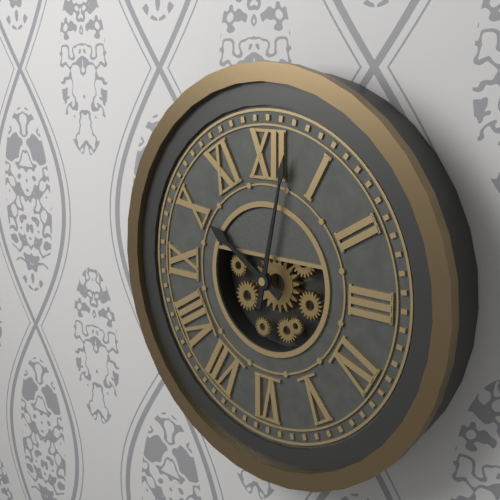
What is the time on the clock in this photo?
10:02
